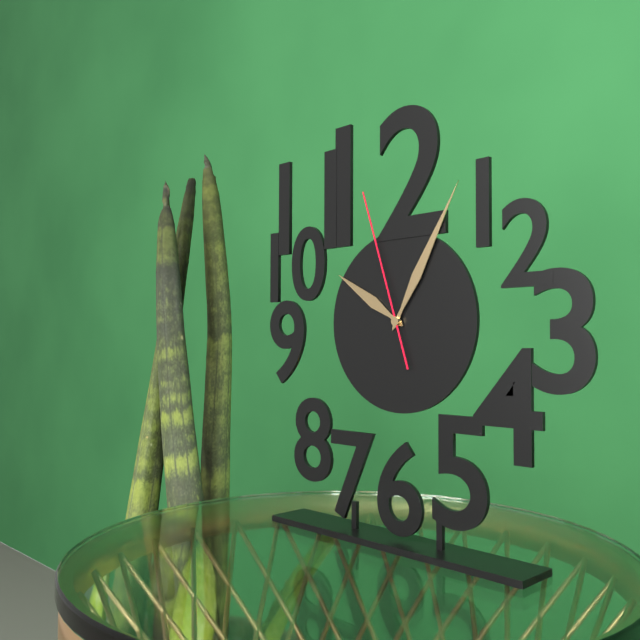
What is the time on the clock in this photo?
10:05:57
